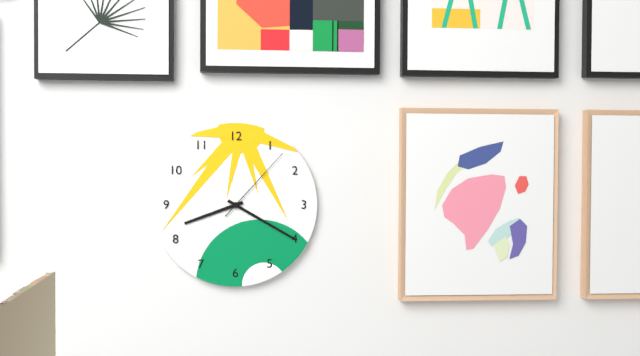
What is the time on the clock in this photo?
8:20:07
